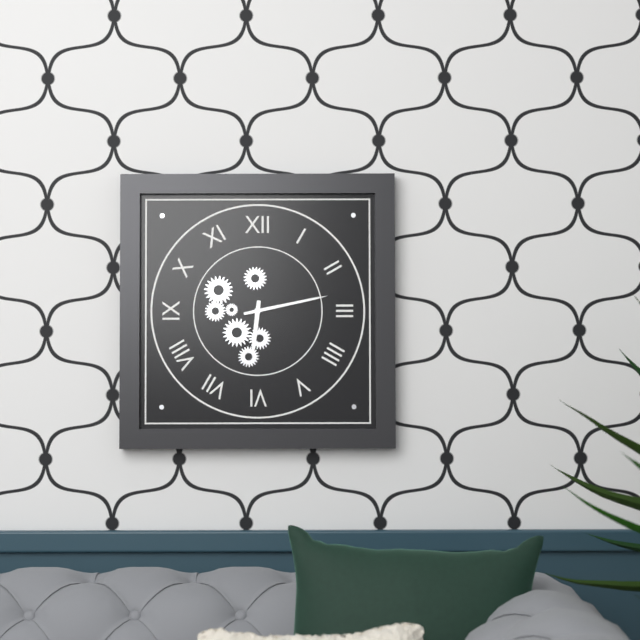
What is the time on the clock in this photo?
6:13
